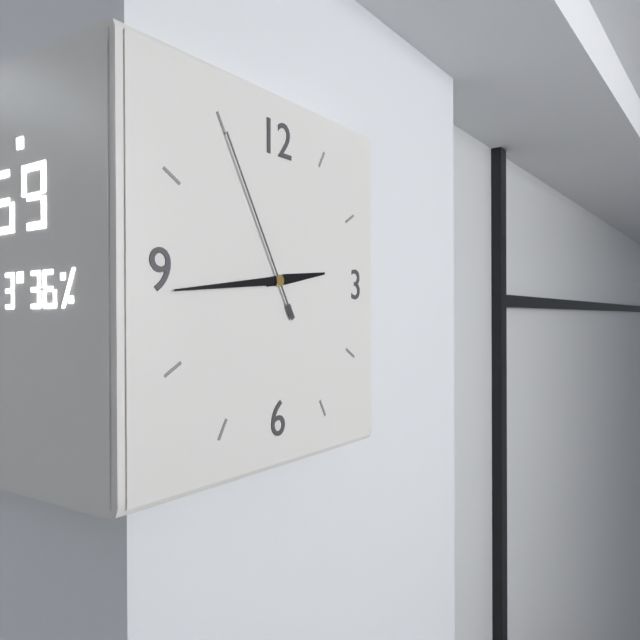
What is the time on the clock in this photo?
2:44:55
